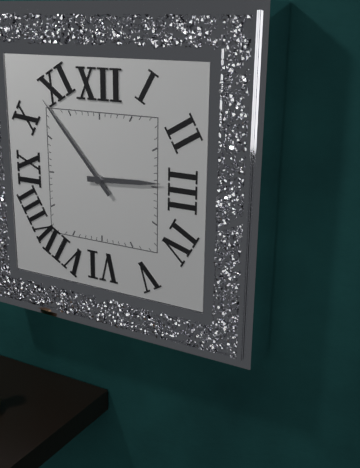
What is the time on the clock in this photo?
2:53
